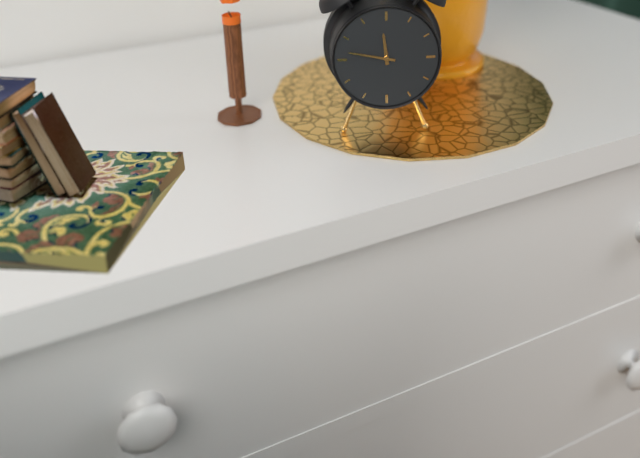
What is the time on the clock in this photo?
11:47
